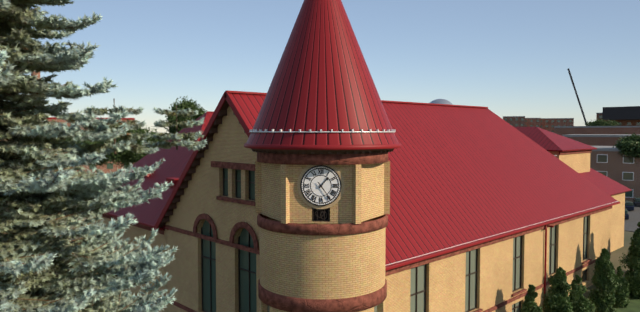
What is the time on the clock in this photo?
1:24
